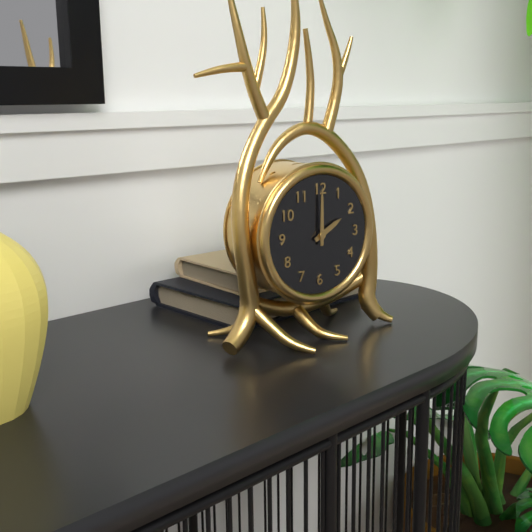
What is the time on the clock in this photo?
2:00
